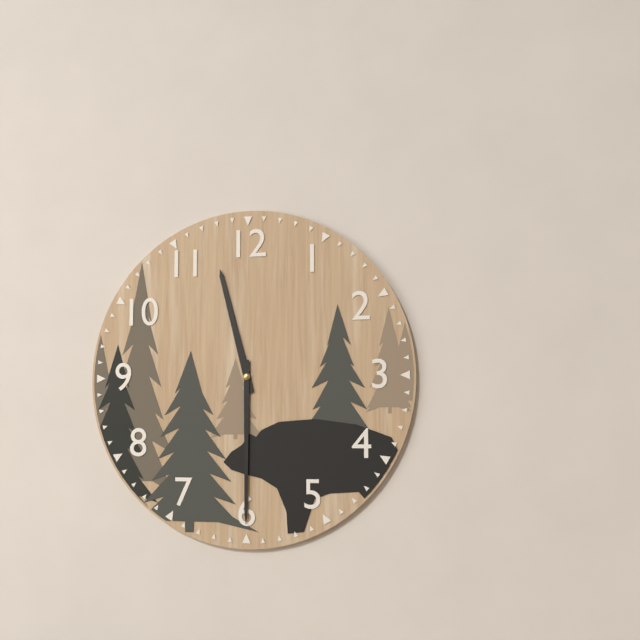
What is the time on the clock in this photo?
11:30
